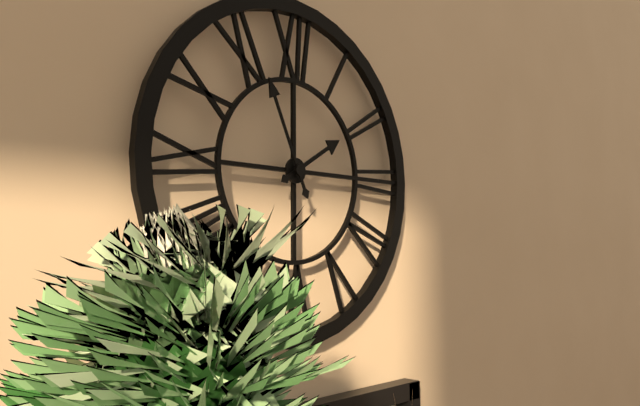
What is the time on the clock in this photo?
1:56
